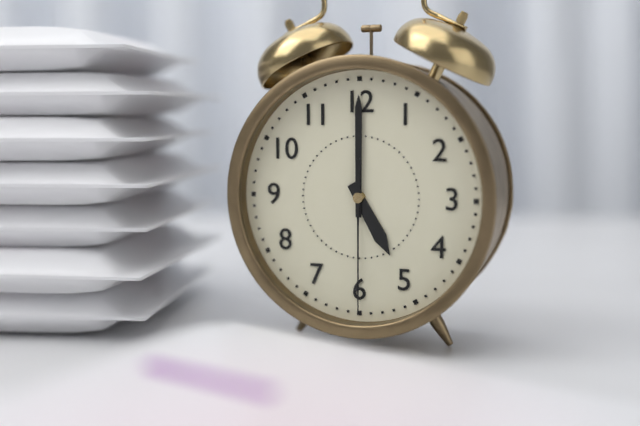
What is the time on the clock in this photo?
5:00:30
